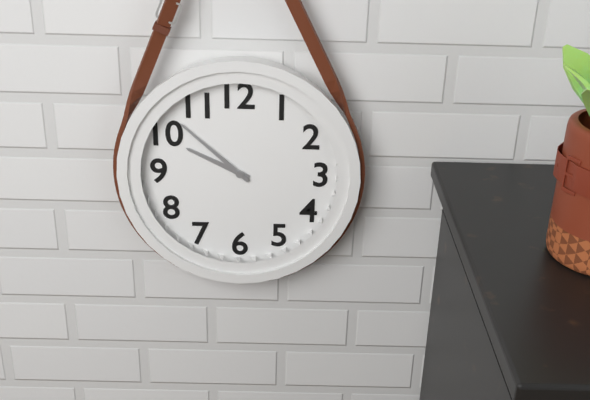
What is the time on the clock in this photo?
9:52
